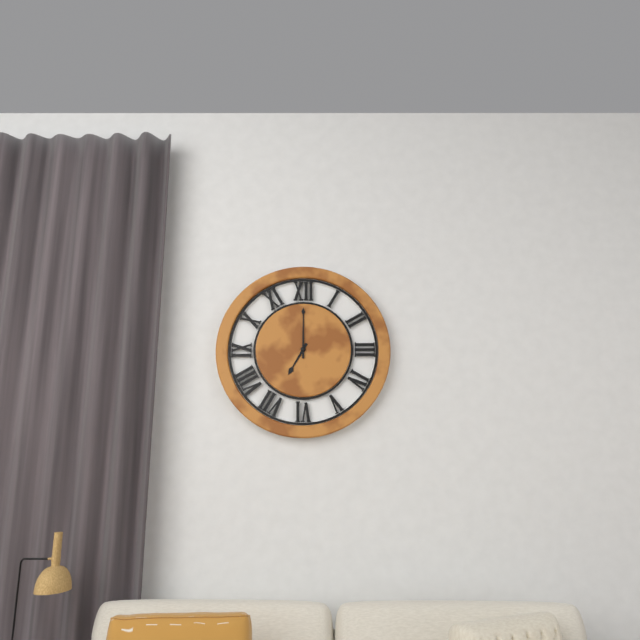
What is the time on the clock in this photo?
7:00
